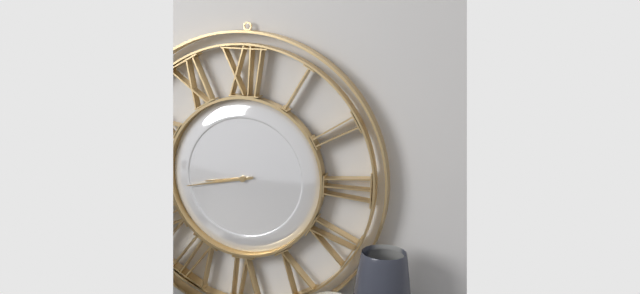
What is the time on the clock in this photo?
8:43
